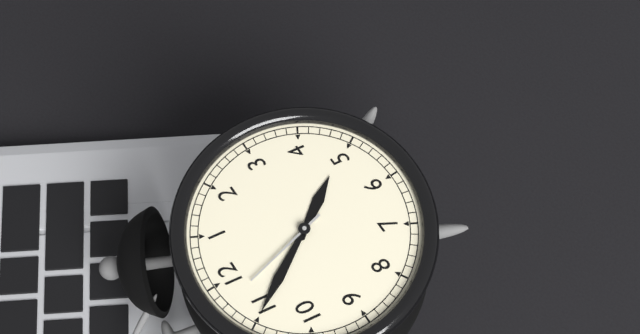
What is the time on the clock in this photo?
4:55:58
